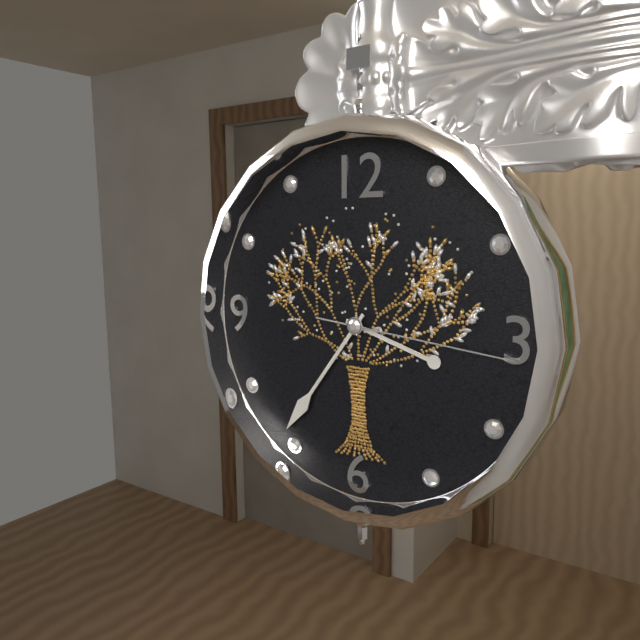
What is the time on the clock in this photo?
3:36:16
